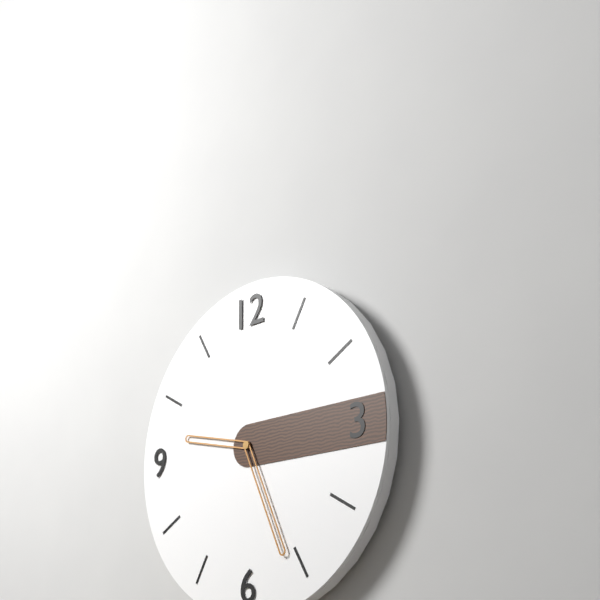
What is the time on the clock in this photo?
9:26
